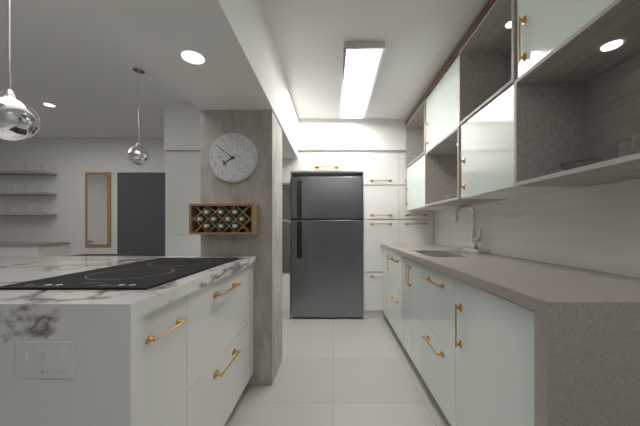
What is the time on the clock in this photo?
7:51
